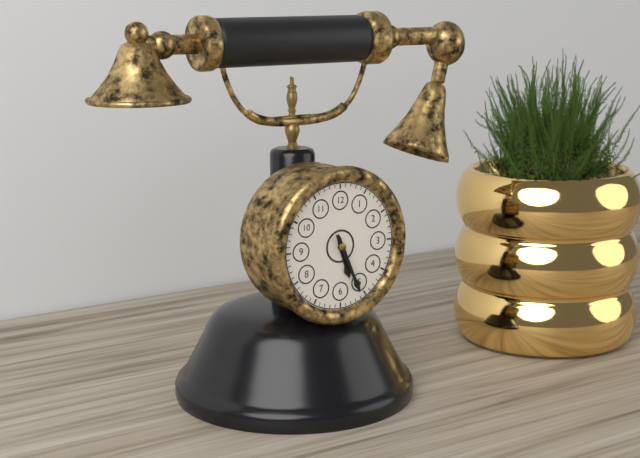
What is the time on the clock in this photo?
5:26
